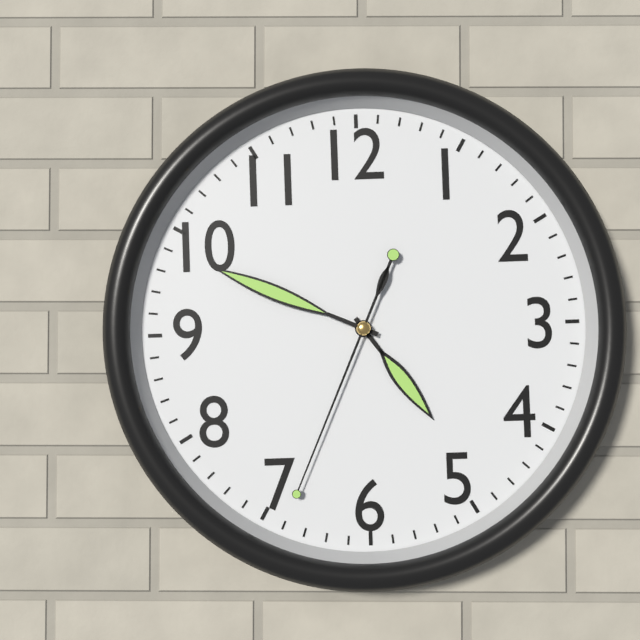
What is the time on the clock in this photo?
4:49:34
